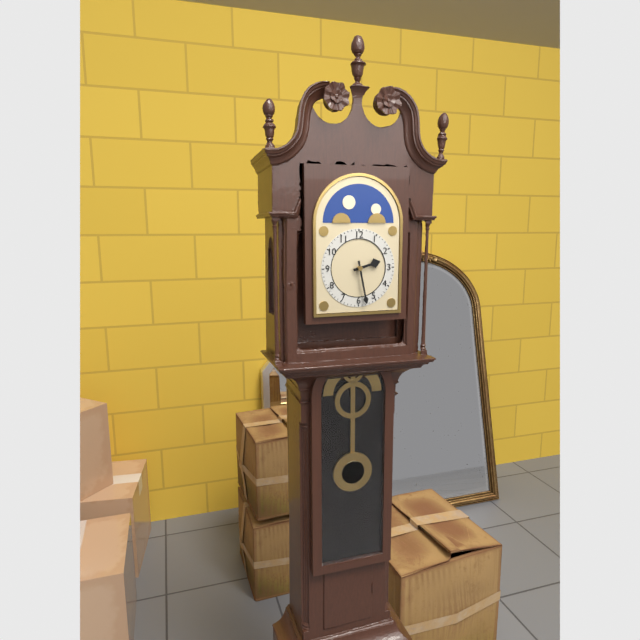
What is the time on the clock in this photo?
2:28
